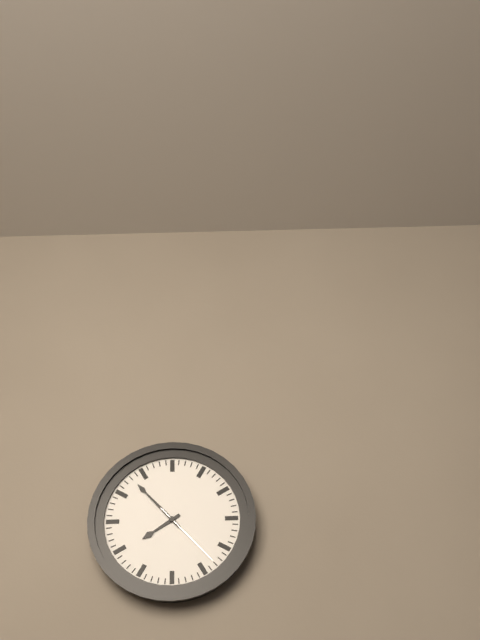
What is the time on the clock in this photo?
7:53:23
